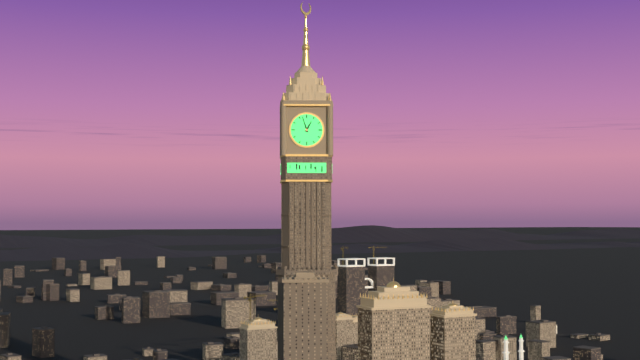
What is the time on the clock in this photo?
12:57
